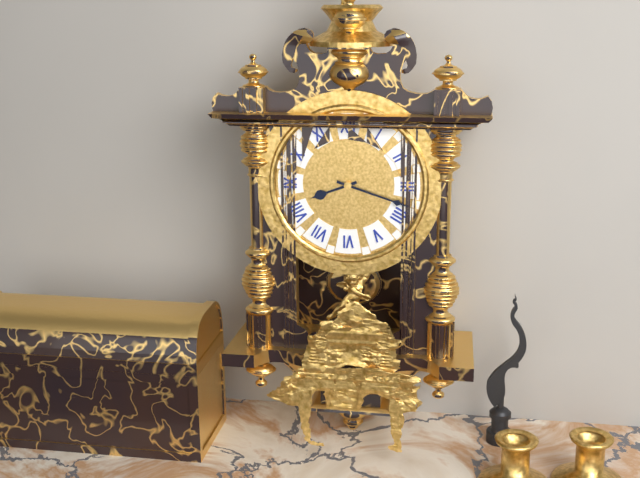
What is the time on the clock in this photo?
8:18
